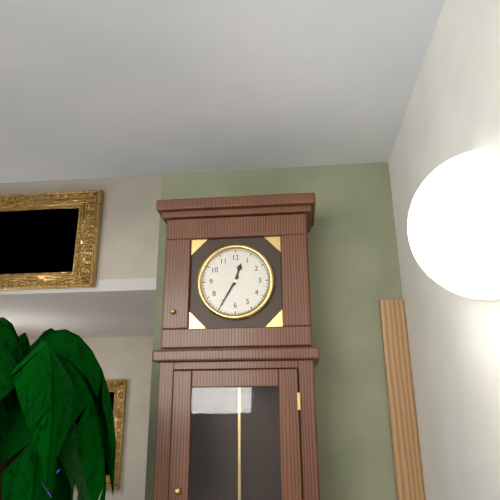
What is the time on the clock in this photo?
12:35
